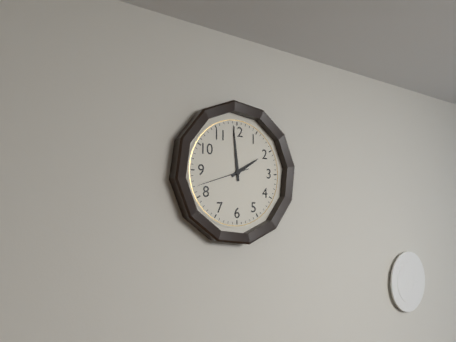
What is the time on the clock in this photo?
1:59:42
